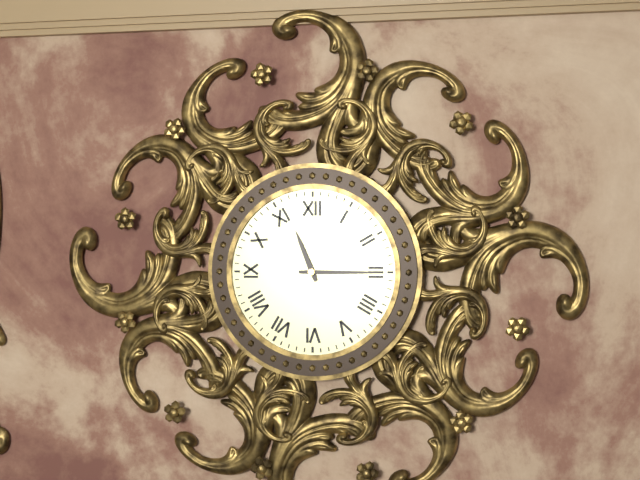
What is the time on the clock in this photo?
11:15
